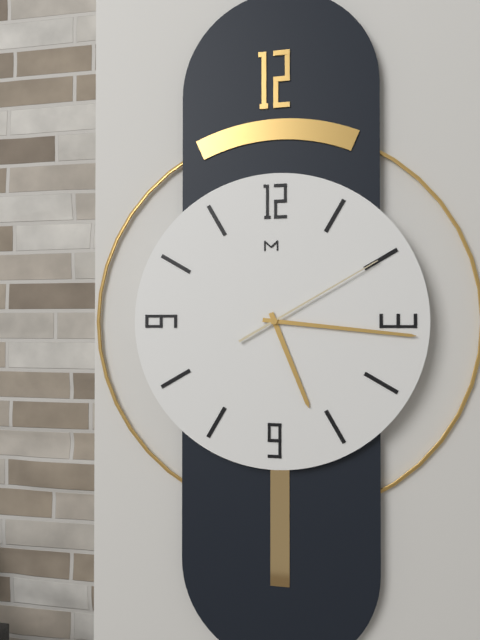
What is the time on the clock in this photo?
5:16:10
